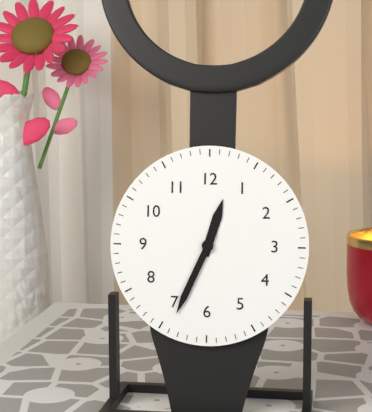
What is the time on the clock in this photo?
12:34
